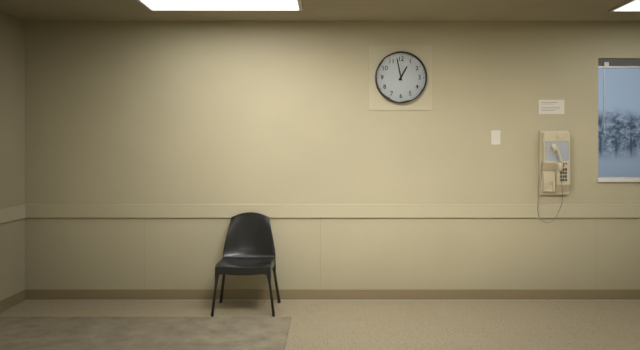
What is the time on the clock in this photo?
12:58
